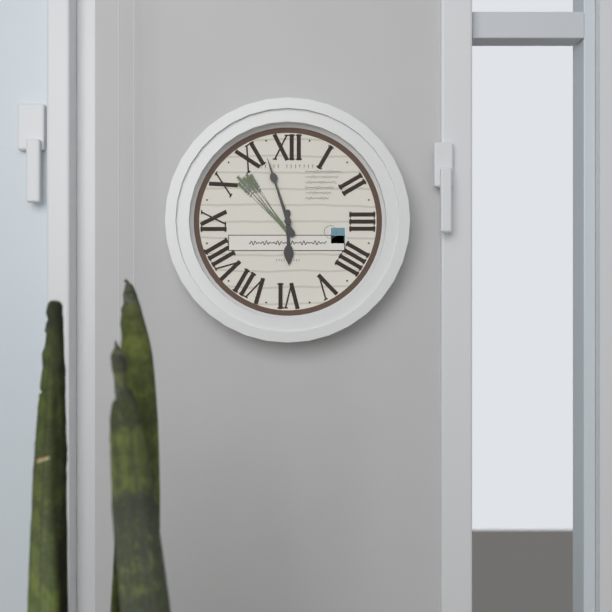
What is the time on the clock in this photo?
5:57
